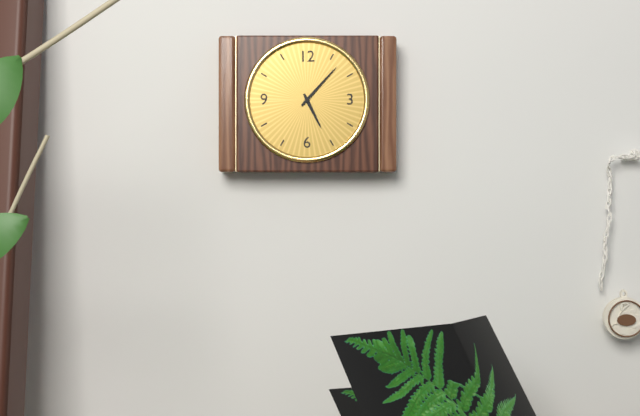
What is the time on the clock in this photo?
5:07
